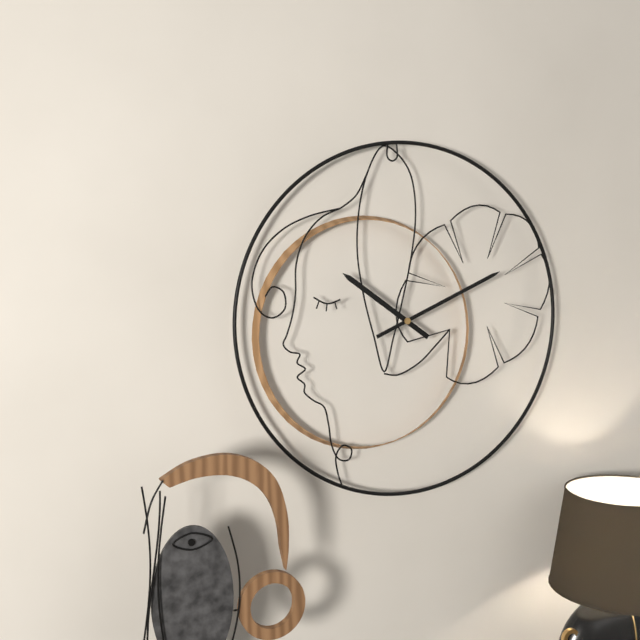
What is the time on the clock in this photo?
10:11
